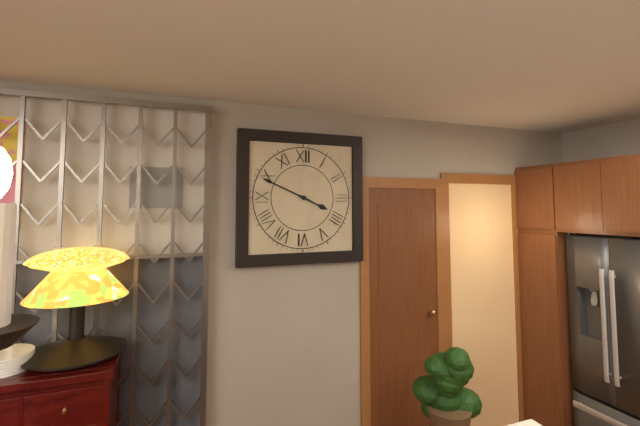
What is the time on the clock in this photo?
3:49
